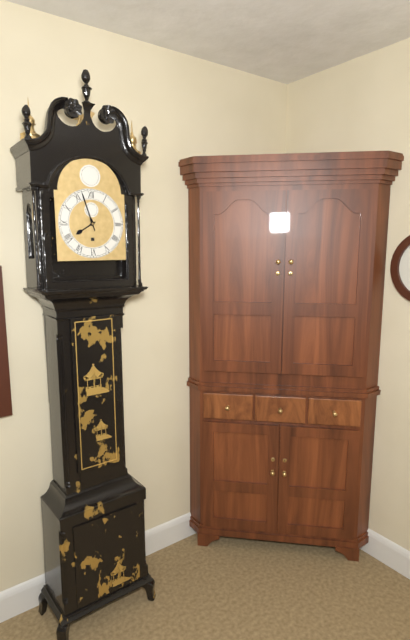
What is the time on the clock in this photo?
7:57
